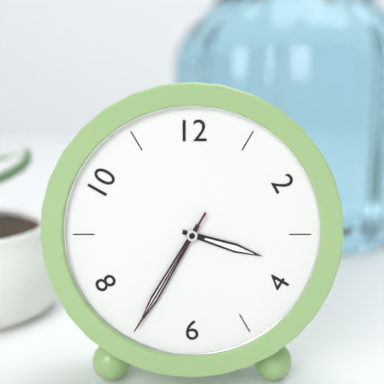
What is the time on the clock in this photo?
3:35:35
